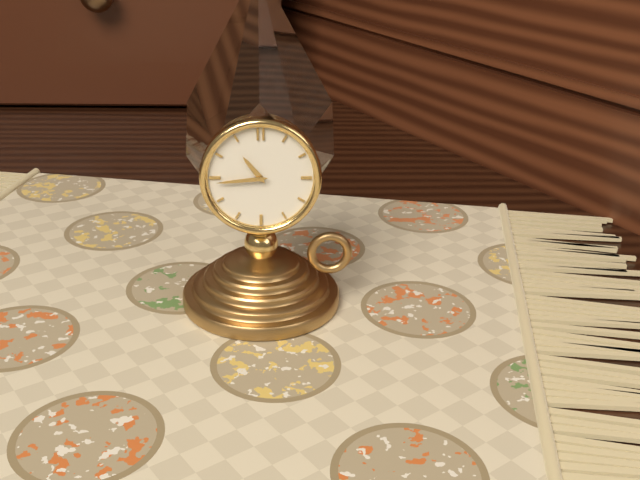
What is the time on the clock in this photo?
10:44
